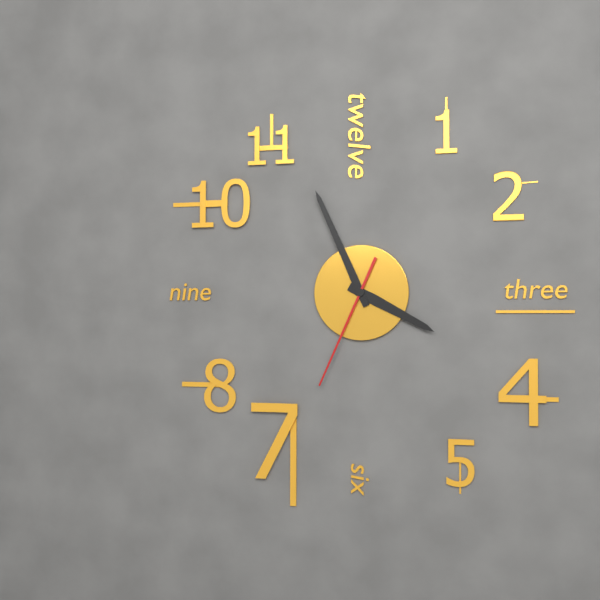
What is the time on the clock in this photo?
3:56:34
